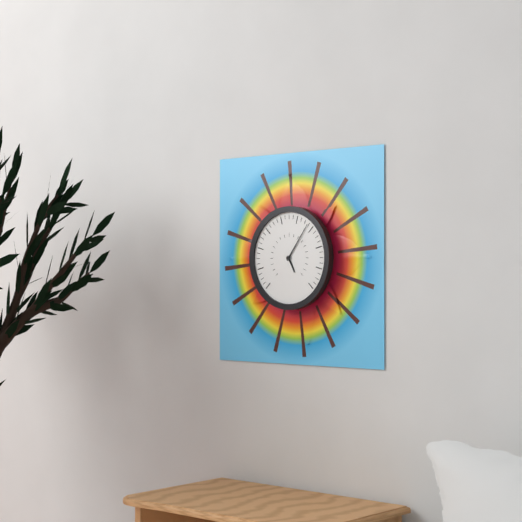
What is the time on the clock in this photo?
5:06
